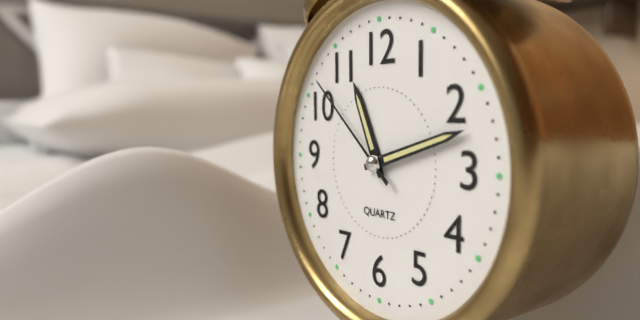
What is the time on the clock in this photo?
11:12:52
